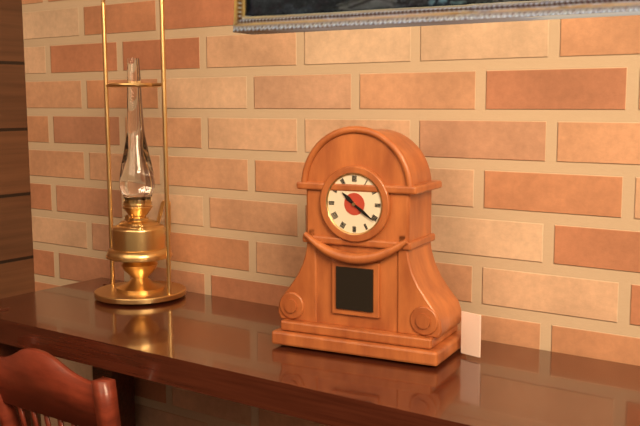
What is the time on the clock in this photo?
10:21
